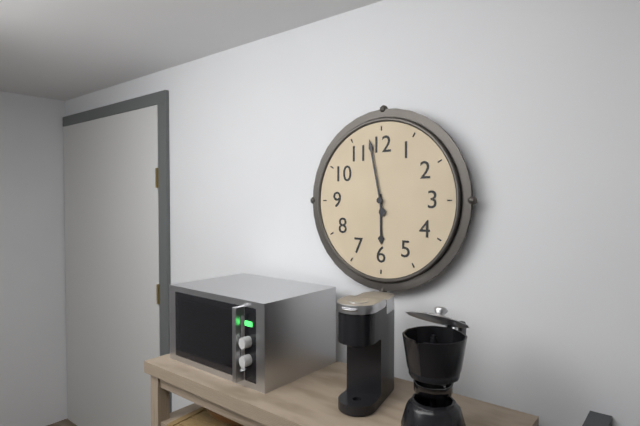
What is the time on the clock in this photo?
5:58
